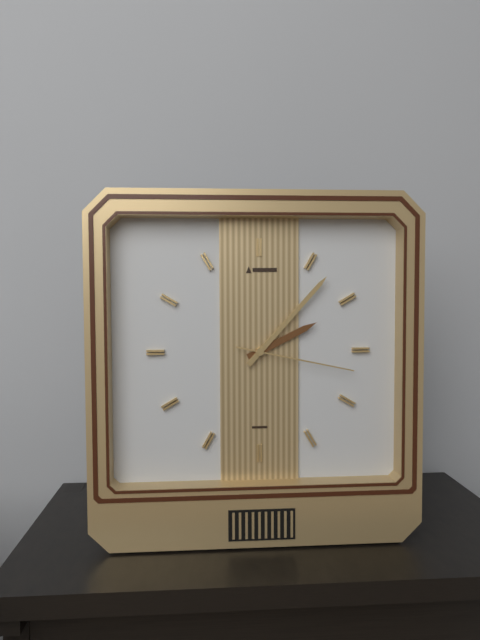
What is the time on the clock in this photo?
2:07:17
